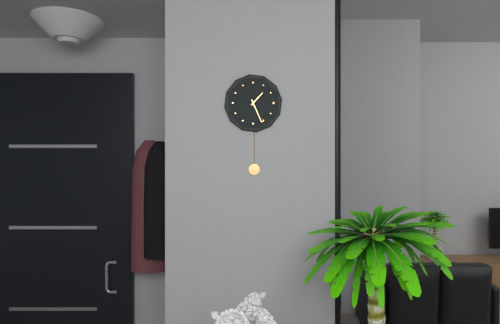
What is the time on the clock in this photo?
1:26
